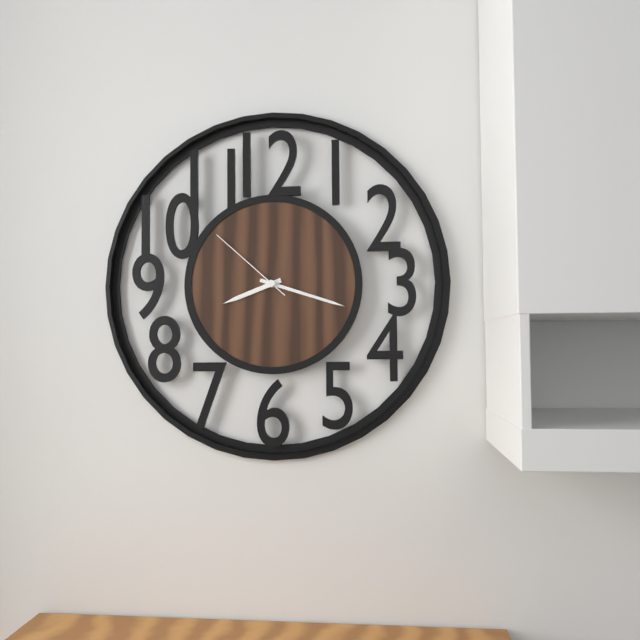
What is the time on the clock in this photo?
8:18:52
